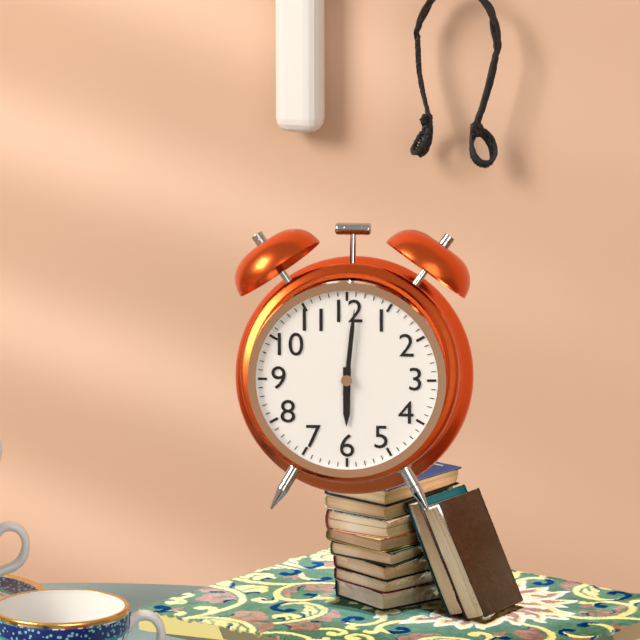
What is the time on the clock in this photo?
6:01
